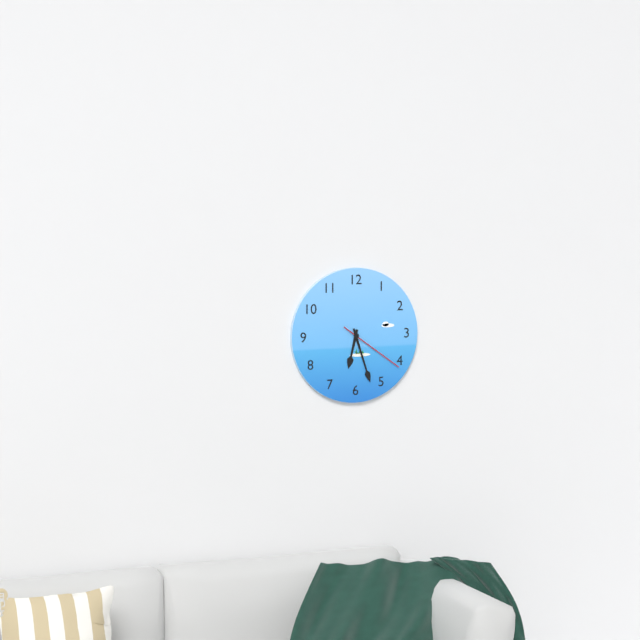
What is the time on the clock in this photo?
6:27:21
